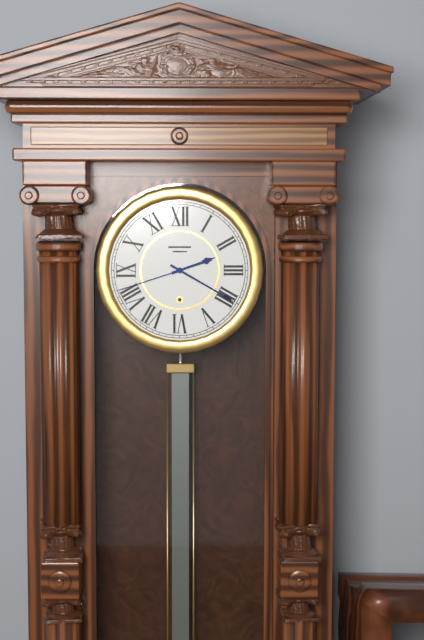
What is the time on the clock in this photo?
2:20:42
